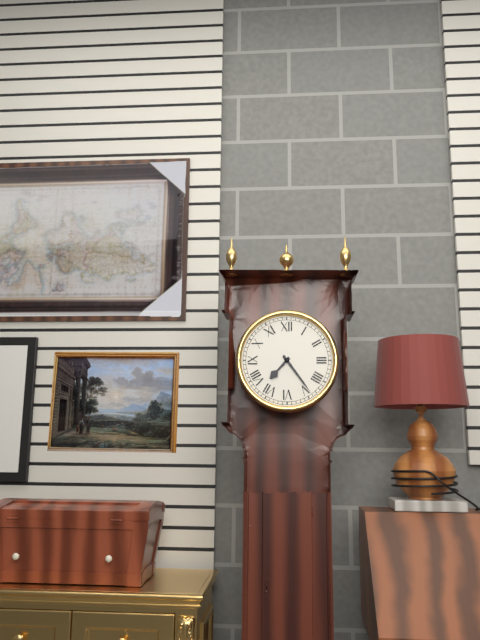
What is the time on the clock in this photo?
7:24
